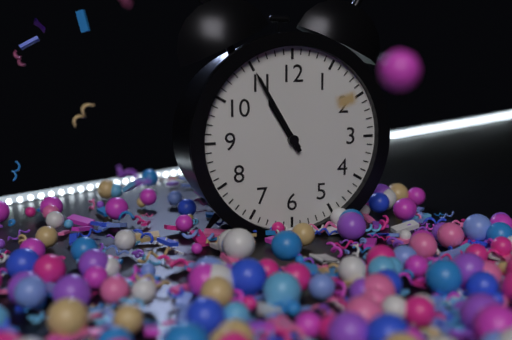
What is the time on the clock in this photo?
10:55
